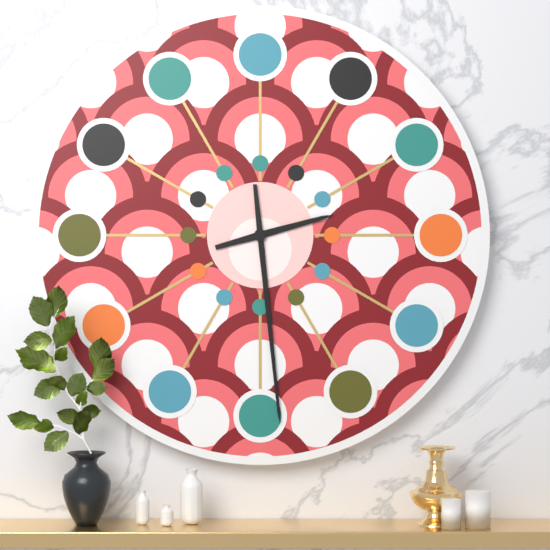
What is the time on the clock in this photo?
2:29
